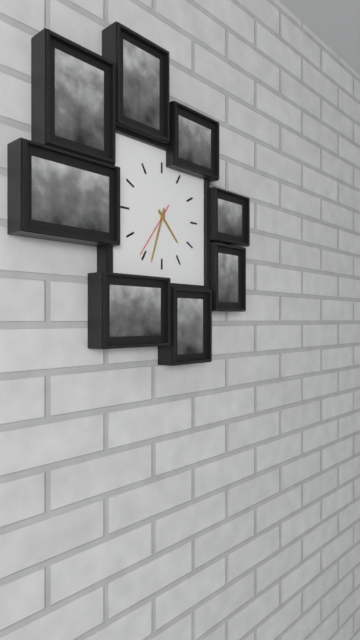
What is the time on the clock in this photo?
4:33:36
